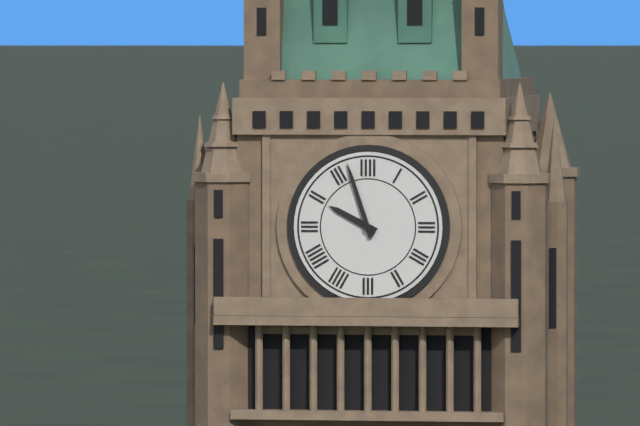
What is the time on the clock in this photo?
9:57
